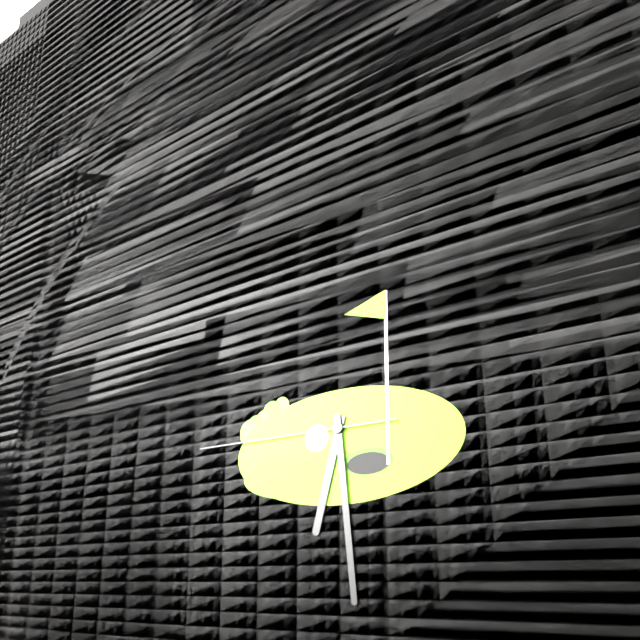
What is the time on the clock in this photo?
6:29:45
